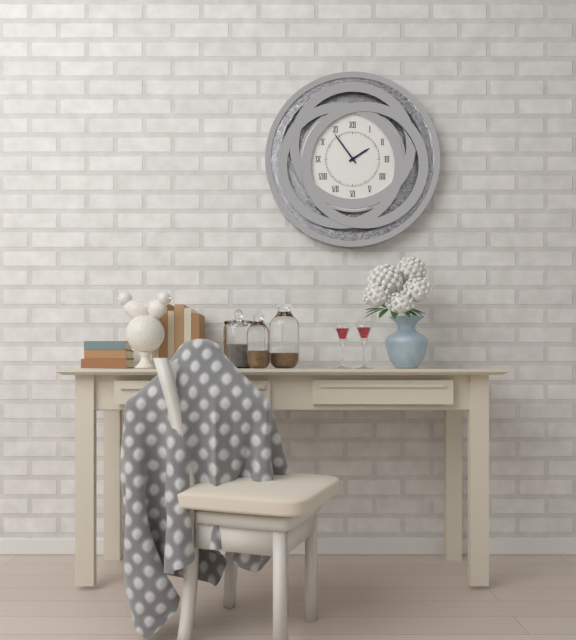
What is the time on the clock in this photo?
1:54
